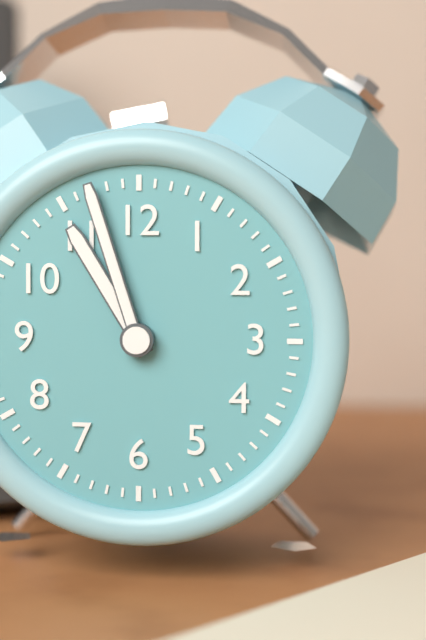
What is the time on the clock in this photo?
10:57
